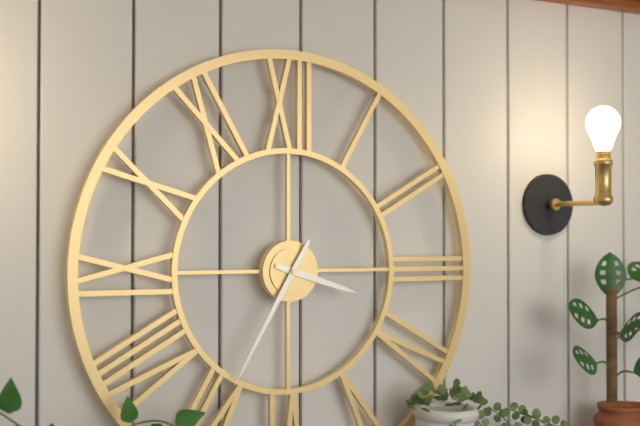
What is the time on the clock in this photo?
3:35
